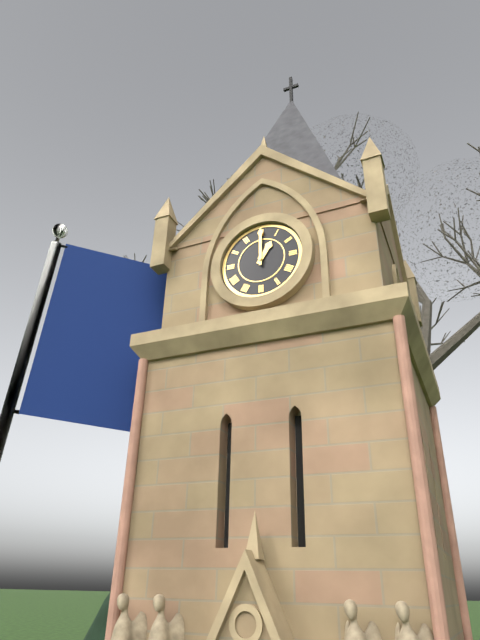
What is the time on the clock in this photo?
1:00
